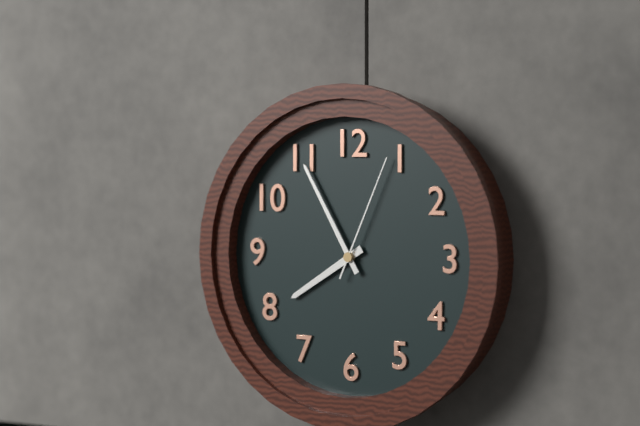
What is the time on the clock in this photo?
7:55:04
